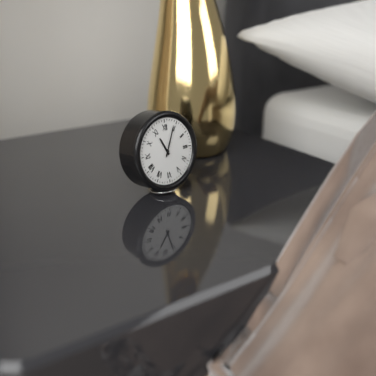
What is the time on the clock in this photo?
11:04
